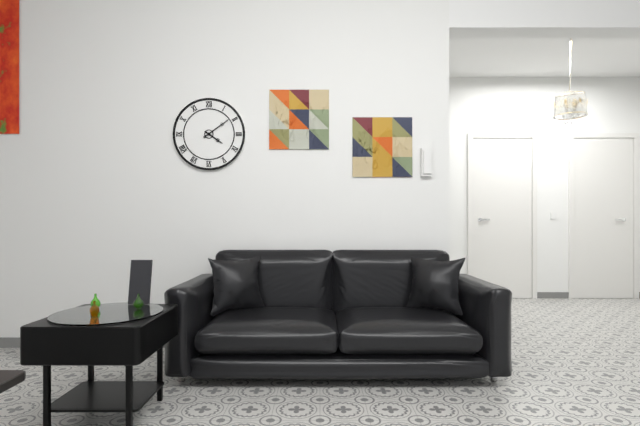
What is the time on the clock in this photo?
4:09
